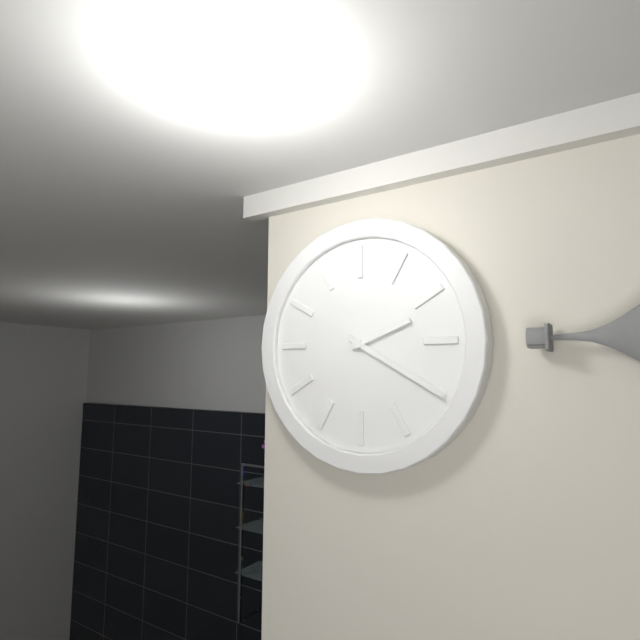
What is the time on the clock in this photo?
2:20
